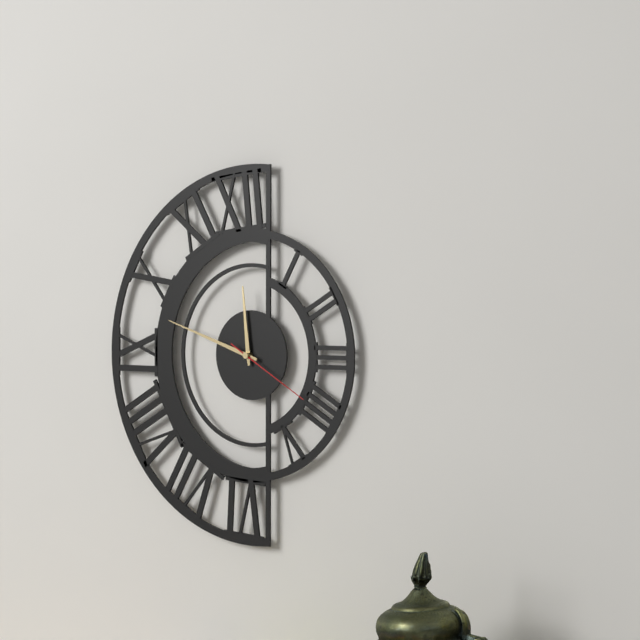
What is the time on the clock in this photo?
11:48:20
